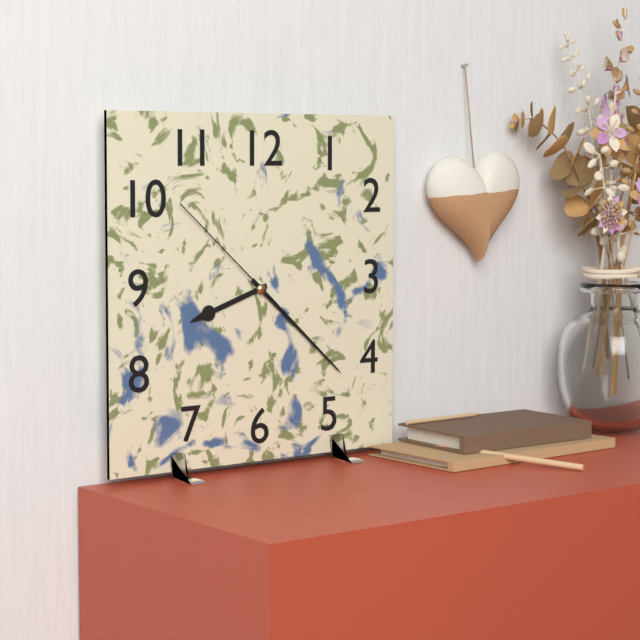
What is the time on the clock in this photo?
8:22:52
